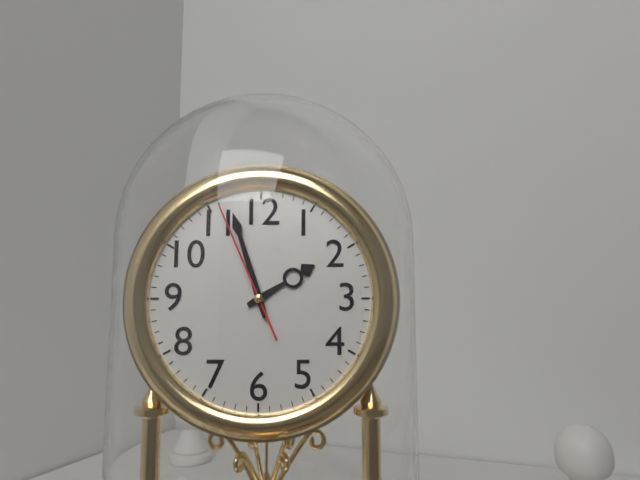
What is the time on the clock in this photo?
1:57:56
